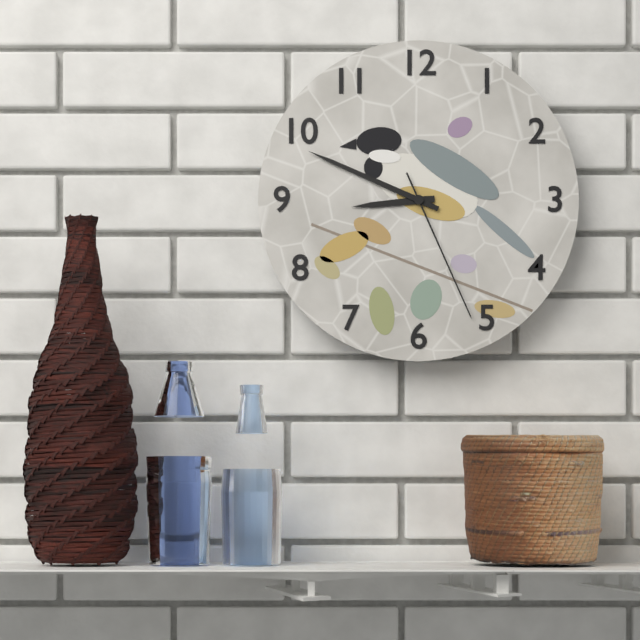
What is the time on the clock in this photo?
8:49:26
